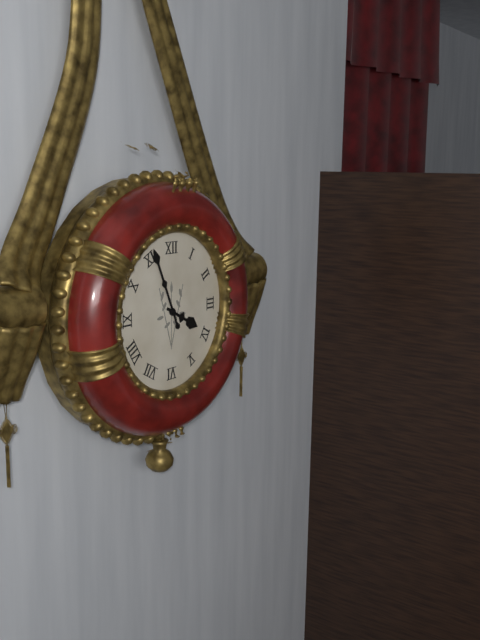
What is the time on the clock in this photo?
3:56
